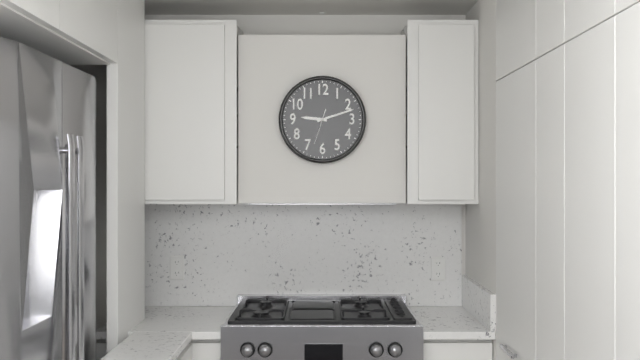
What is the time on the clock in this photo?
9:12
